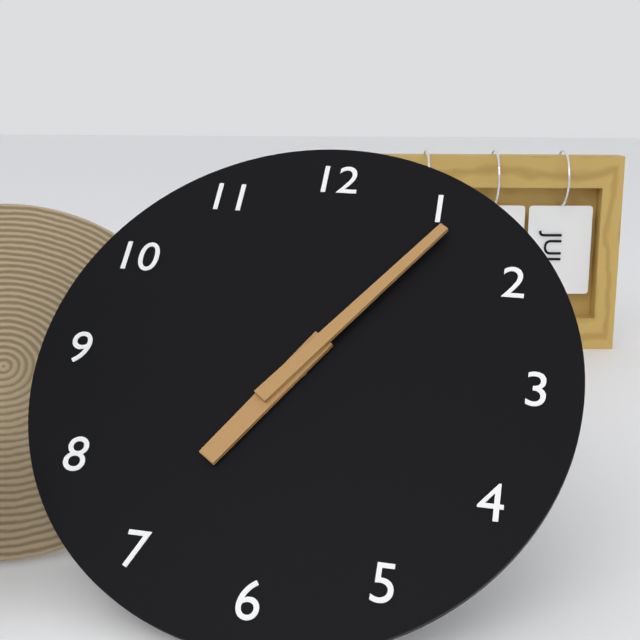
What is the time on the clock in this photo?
7:06
